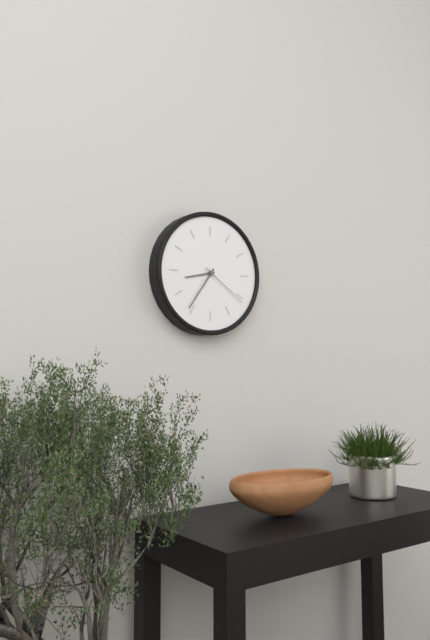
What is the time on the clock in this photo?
8:36:21
